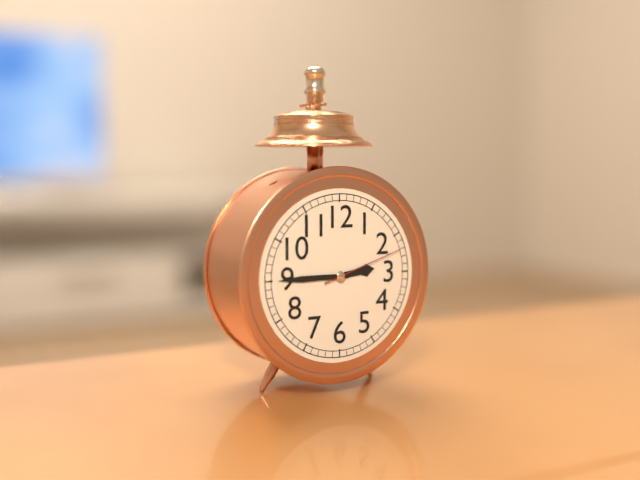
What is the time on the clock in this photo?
2:45:12
